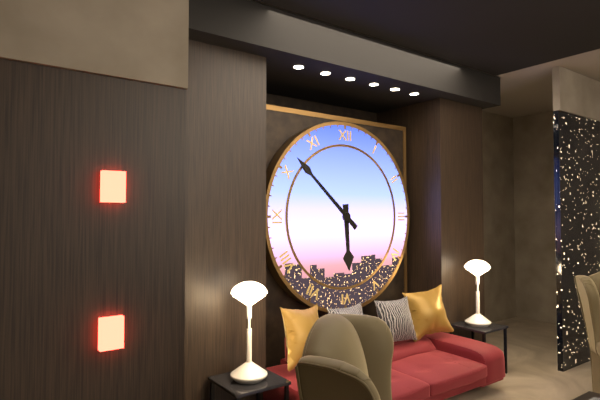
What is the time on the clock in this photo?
5:52
